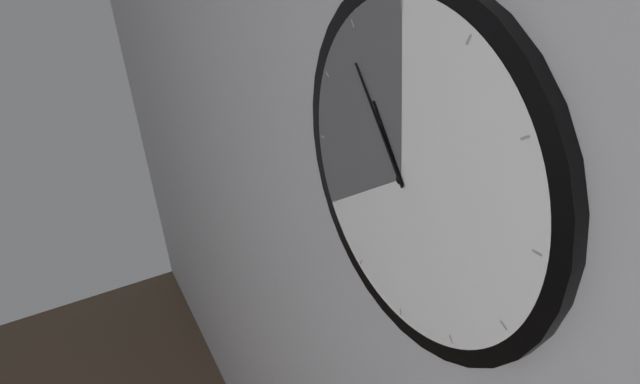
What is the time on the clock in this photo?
10:54
